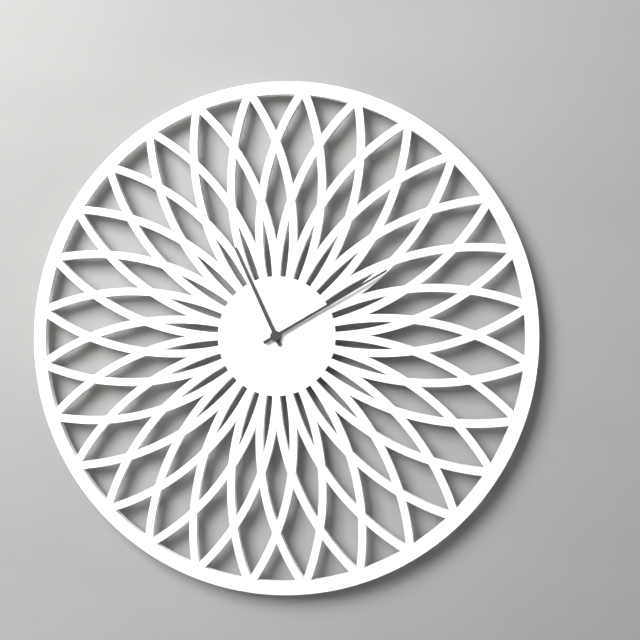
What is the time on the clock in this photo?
11:10
